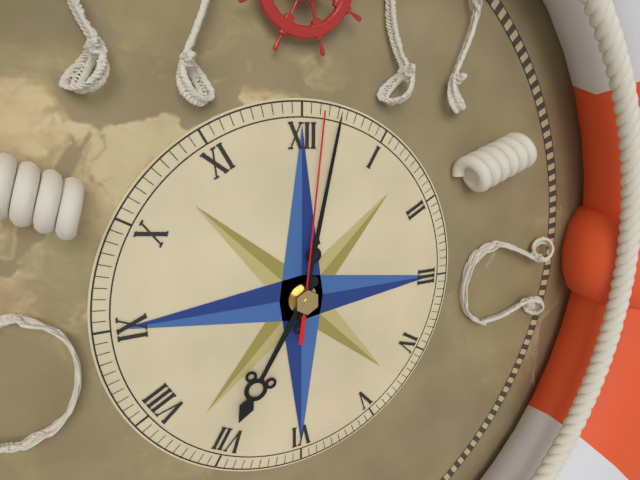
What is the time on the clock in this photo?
7:02:01
